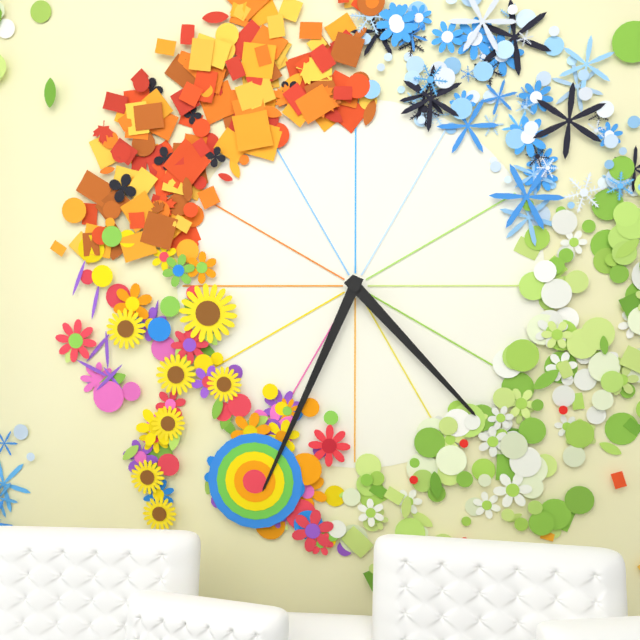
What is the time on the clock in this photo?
4:34
